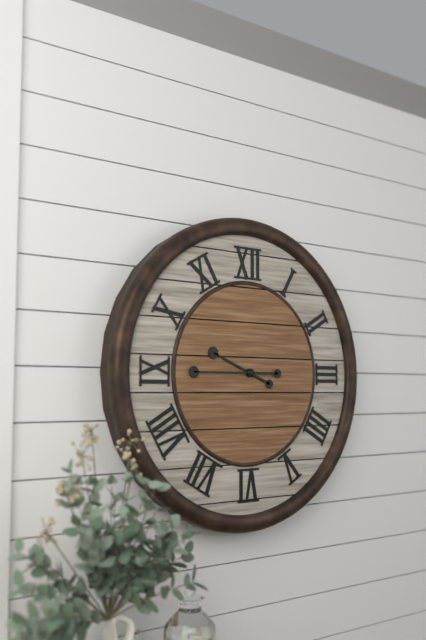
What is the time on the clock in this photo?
9:45
